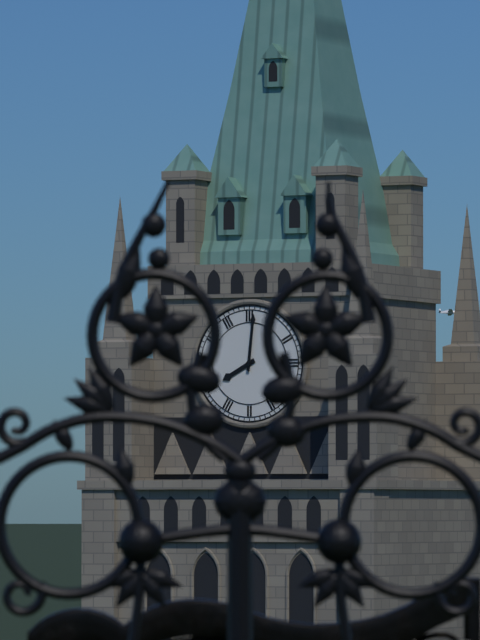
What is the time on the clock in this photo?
8:01
